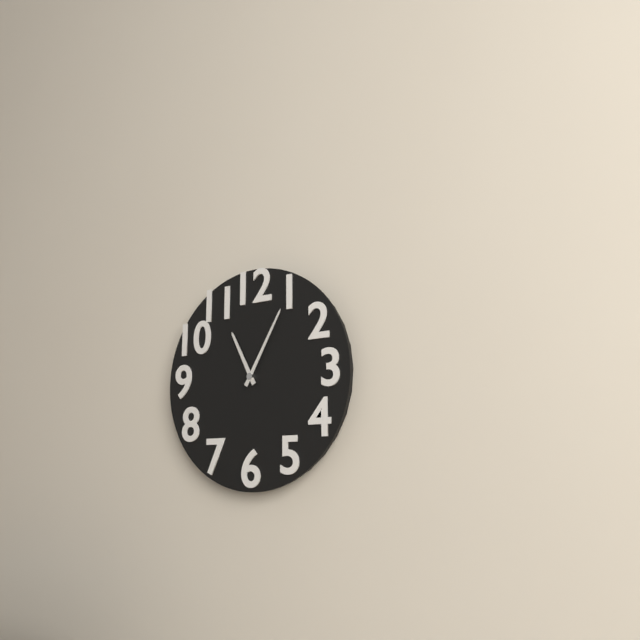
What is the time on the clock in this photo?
11:05
